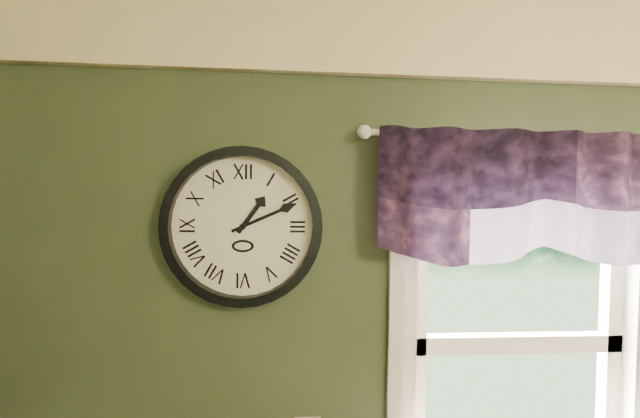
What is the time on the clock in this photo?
1:11
